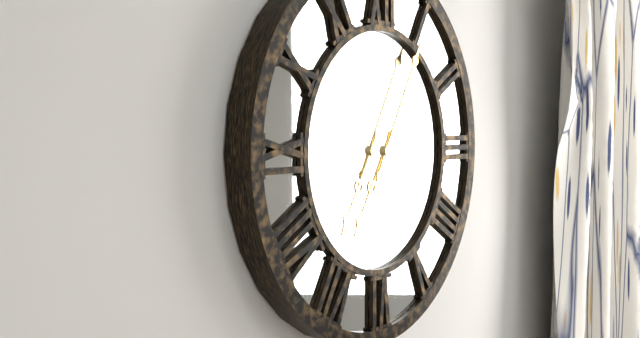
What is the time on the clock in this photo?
7:05
